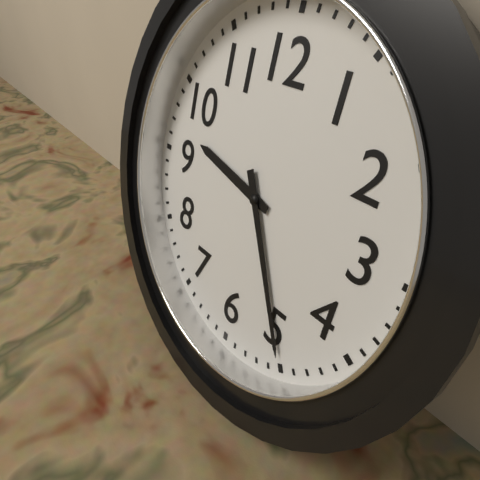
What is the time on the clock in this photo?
9:25
